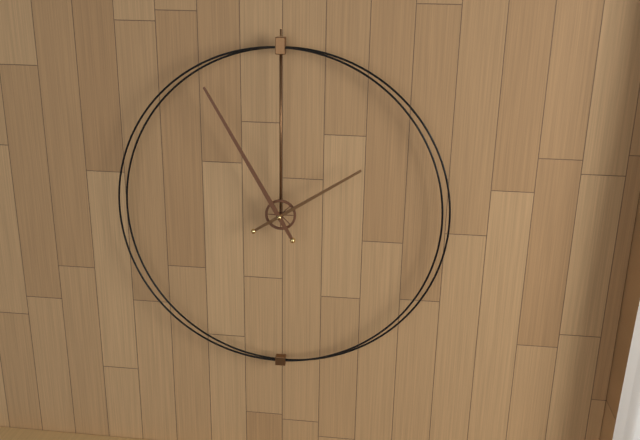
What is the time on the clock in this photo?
1:55
